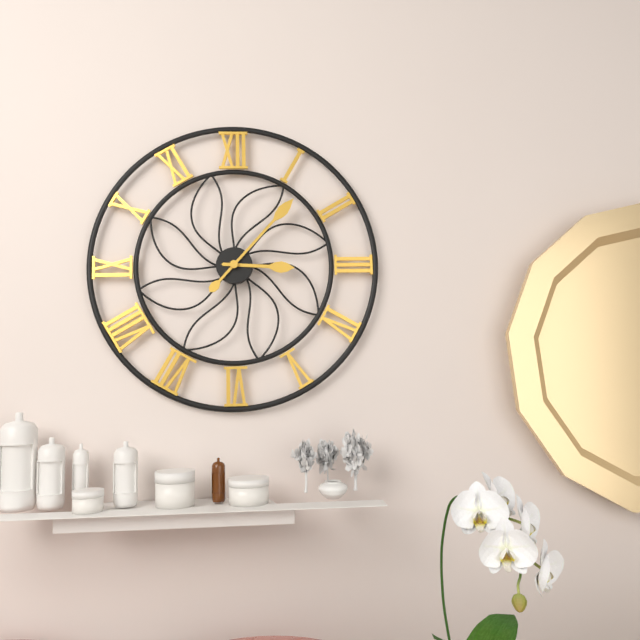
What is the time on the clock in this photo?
3:07
